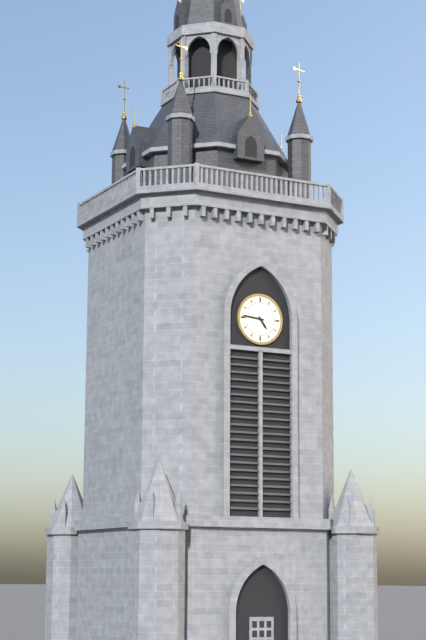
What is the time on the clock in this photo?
4:46
